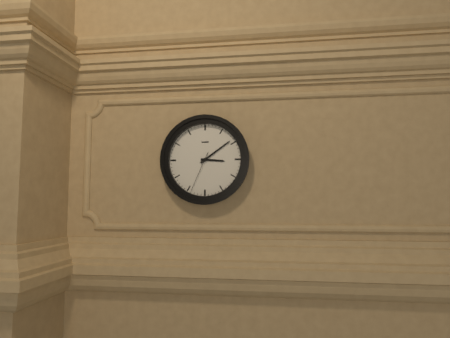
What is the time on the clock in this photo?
3:09
